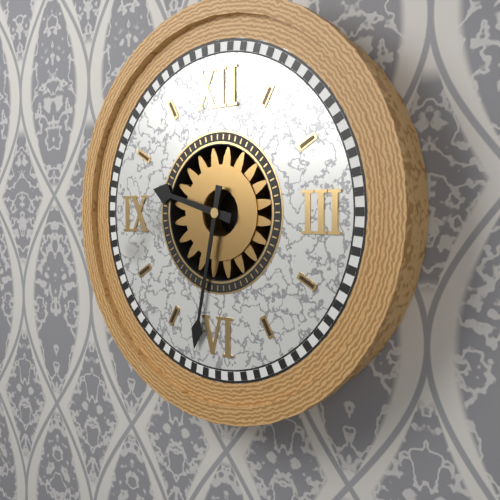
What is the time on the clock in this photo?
9:32
